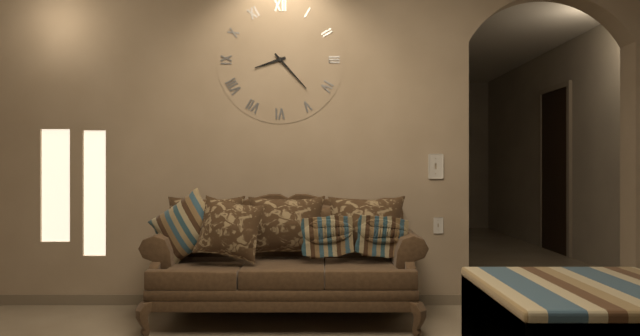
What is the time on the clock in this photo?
8:23
